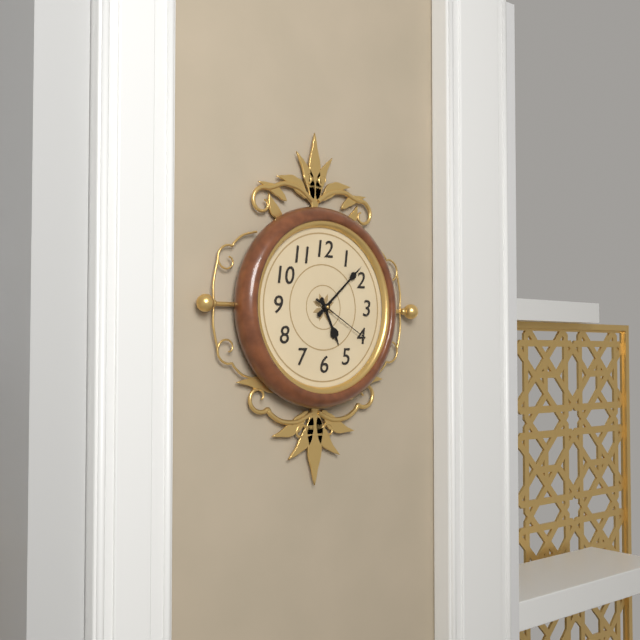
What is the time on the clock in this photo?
5:08:20
